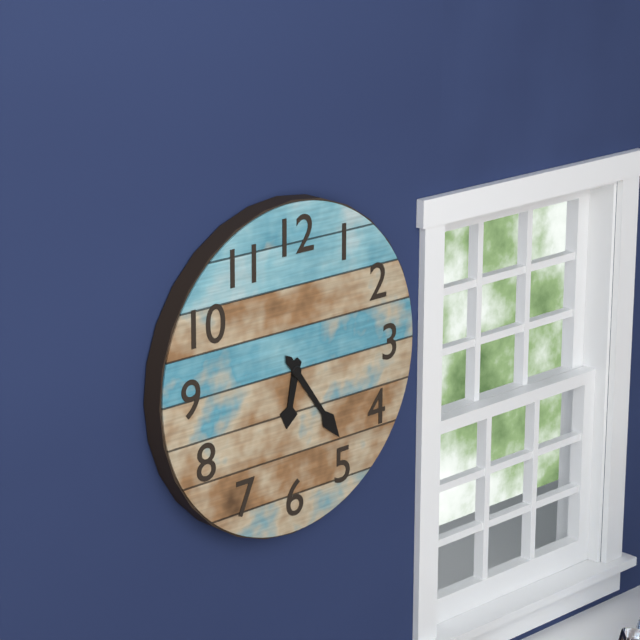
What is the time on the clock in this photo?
6:24
